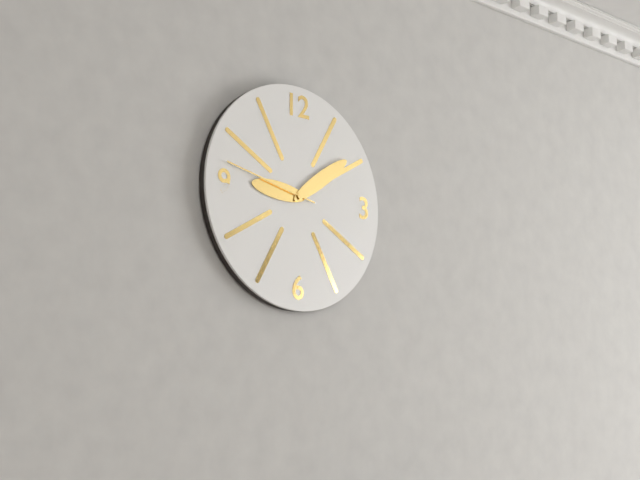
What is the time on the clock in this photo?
9:09:47
